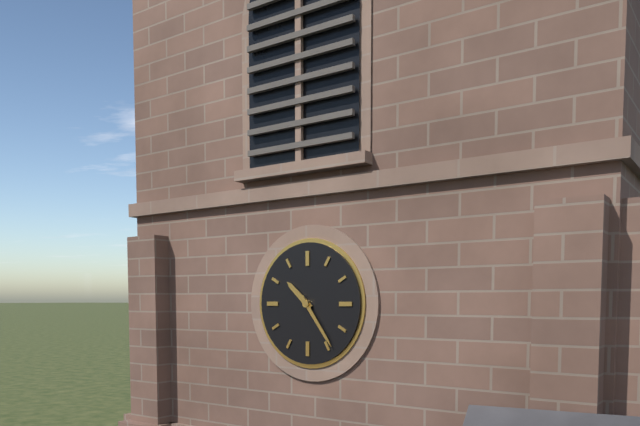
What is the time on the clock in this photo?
10:24
